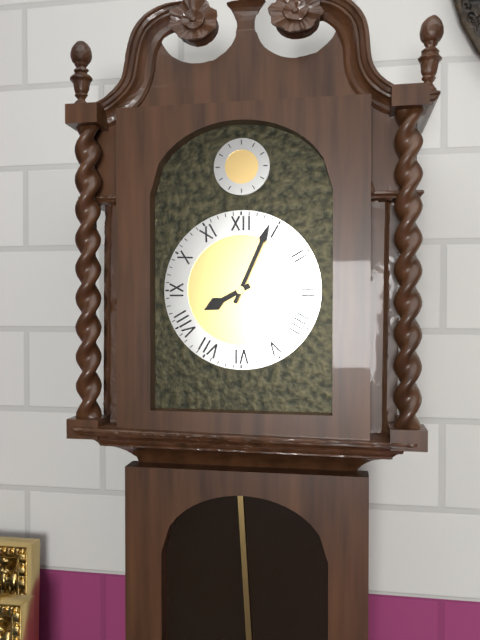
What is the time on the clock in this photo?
8:04
